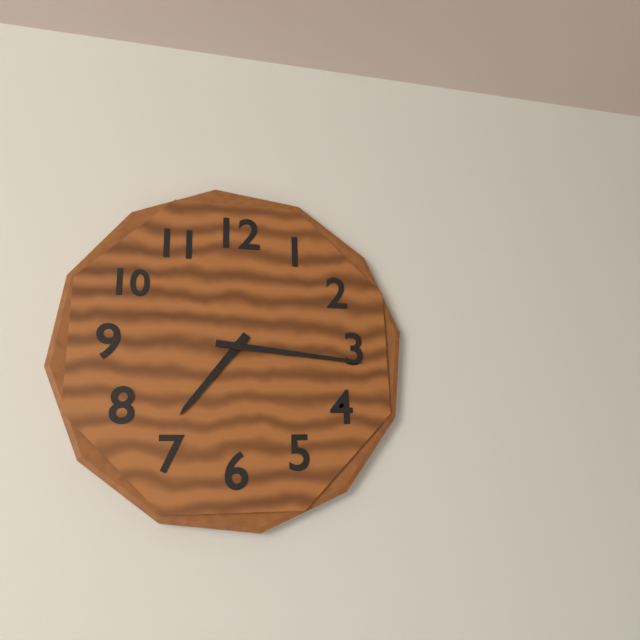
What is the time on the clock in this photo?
7:16
